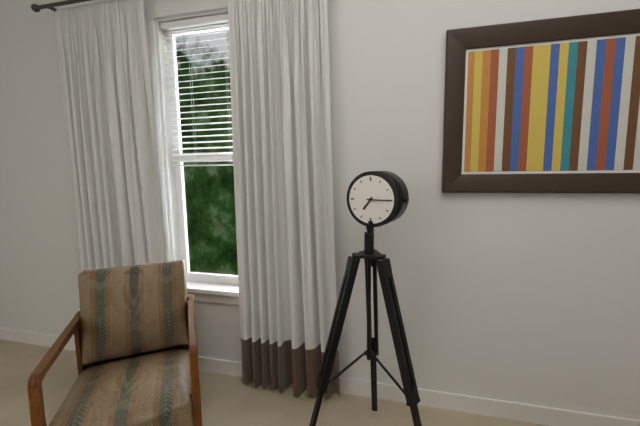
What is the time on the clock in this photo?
7:15
